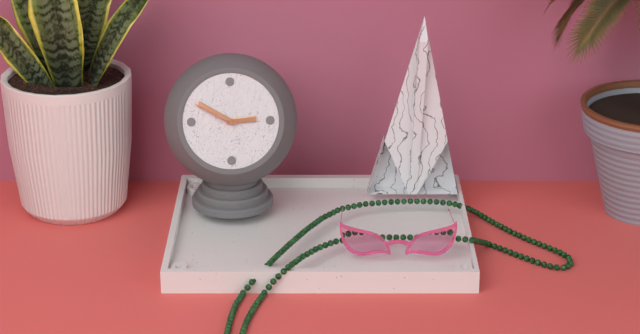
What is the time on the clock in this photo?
2:50
